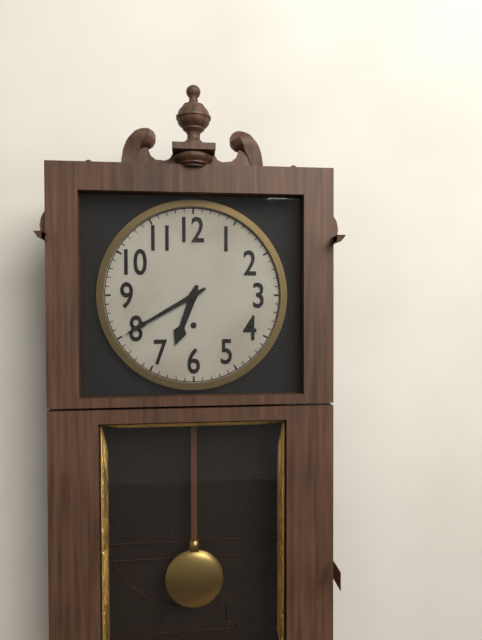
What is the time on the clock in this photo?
6:40
